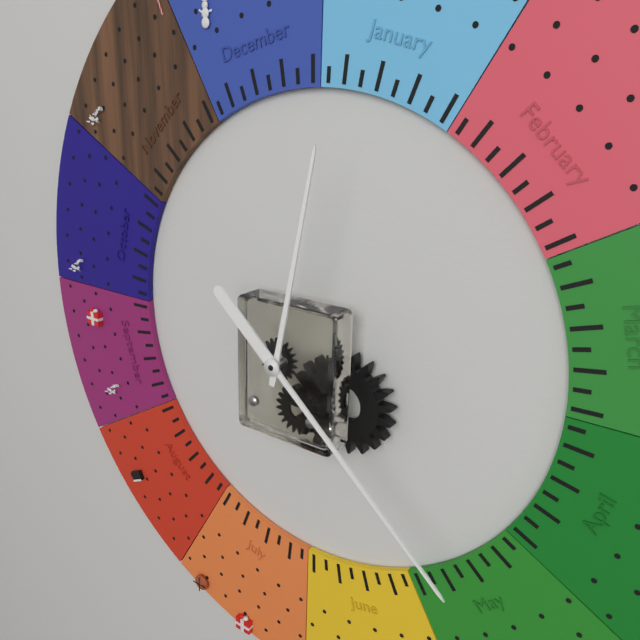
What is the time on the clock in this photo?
12:22
